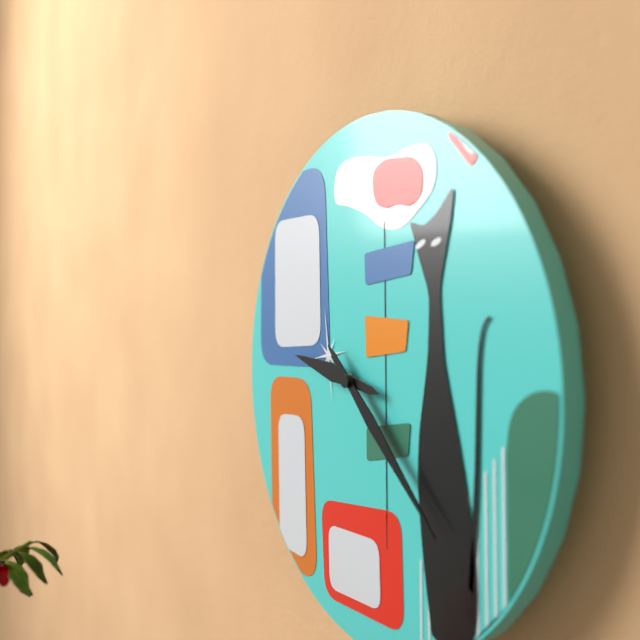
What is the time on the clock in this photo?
9:22
